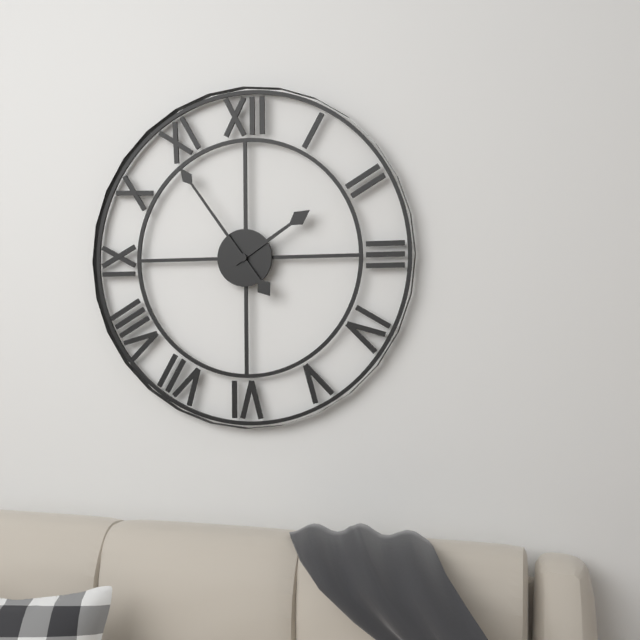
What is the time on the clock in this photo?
1:54
